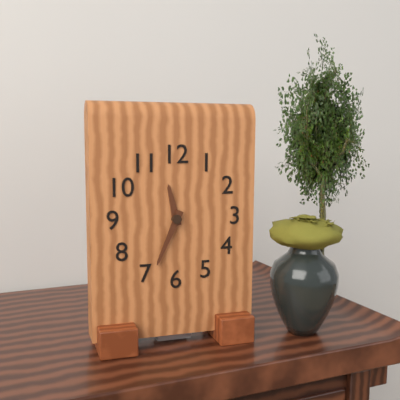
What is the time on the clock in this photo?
11:34
